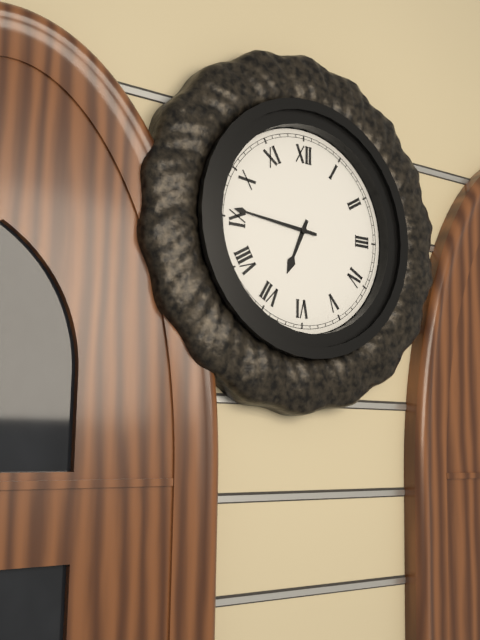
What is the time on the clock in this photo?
6:46
